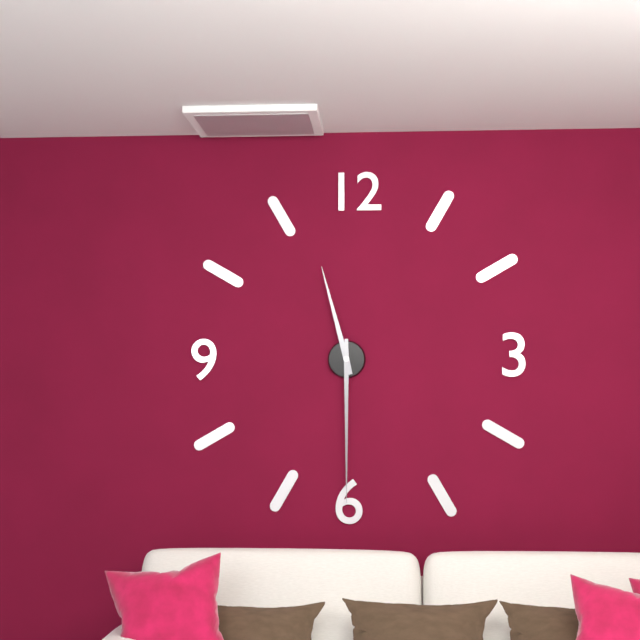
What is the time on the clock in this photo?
11:30
